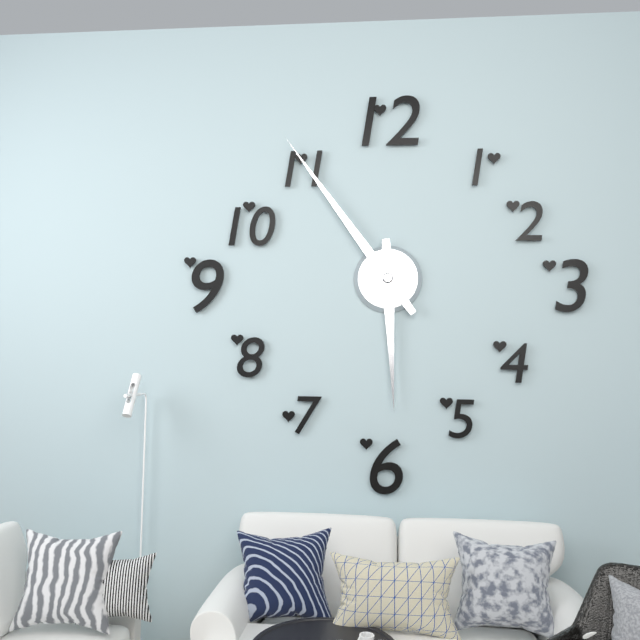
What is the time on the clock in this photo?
5:54
